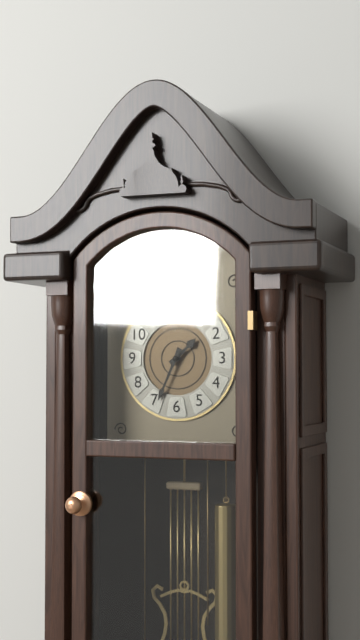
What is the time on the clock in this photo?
1:34
